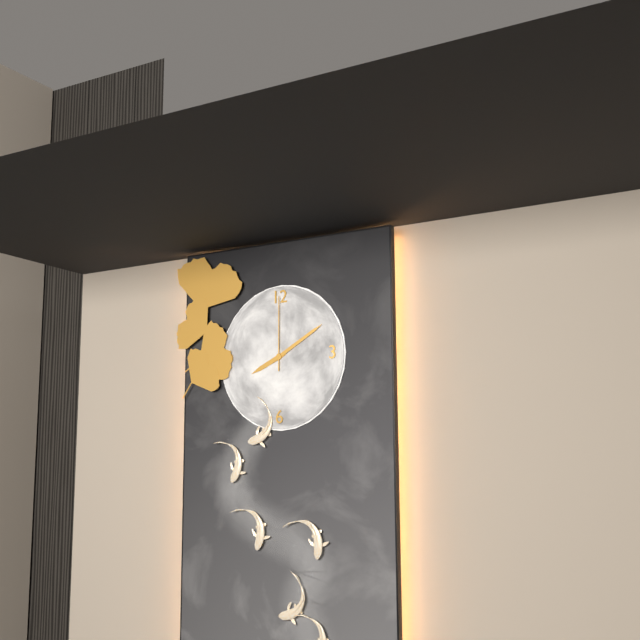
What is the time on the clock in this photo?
8:10:00
